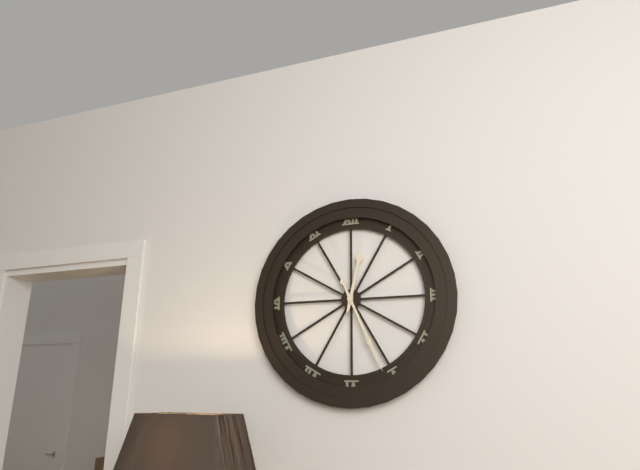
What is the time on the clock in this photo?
12:26
